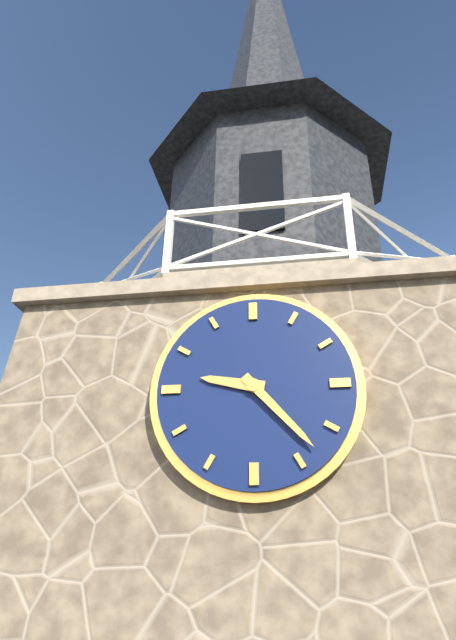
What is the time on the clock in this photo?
9:23
